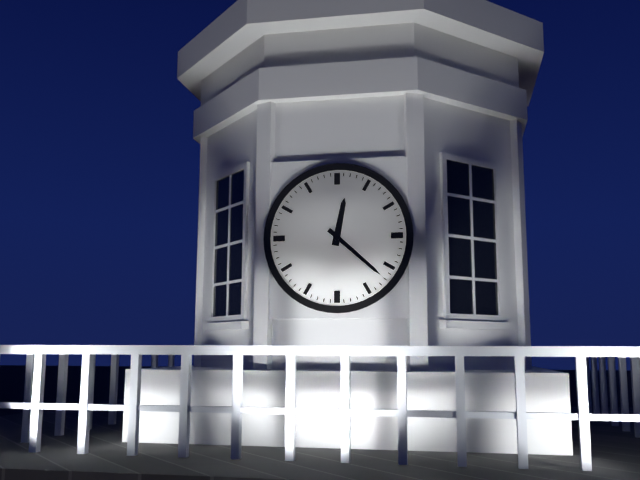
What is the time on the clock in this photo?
12:22
